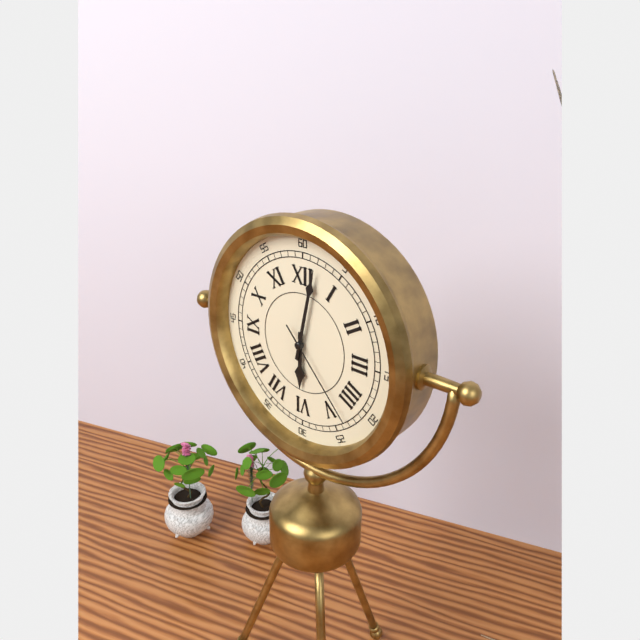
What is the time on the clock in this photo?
6:02:23
